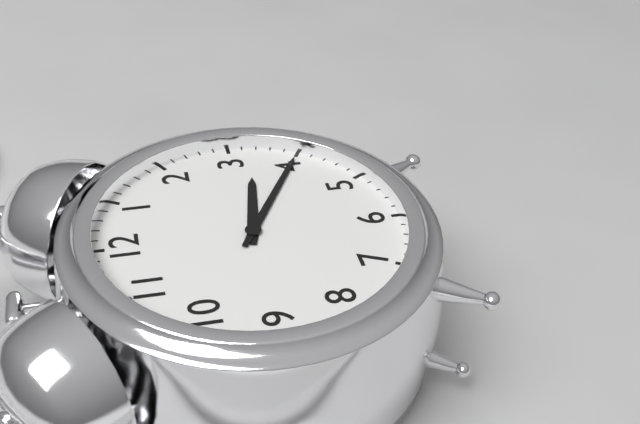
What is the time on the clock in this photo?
3:20
